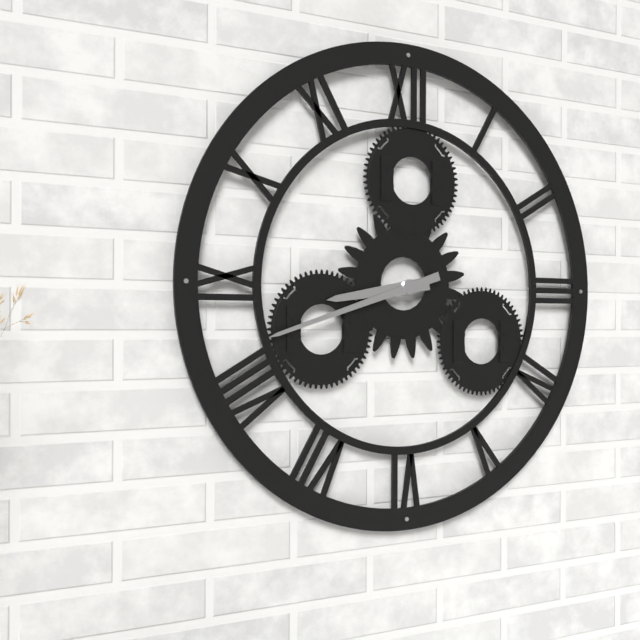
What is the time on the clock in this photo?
8:42
